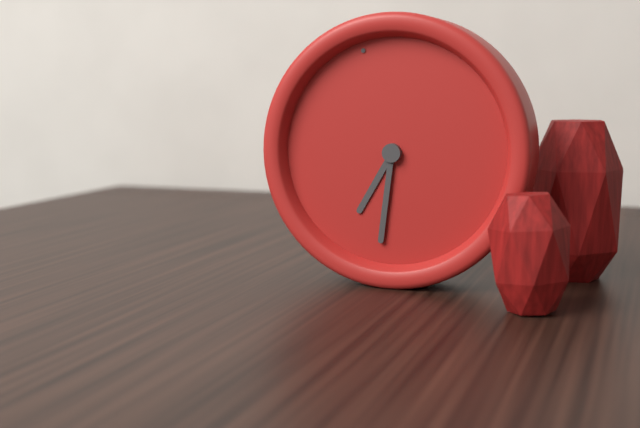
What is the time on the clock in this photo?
7:34
